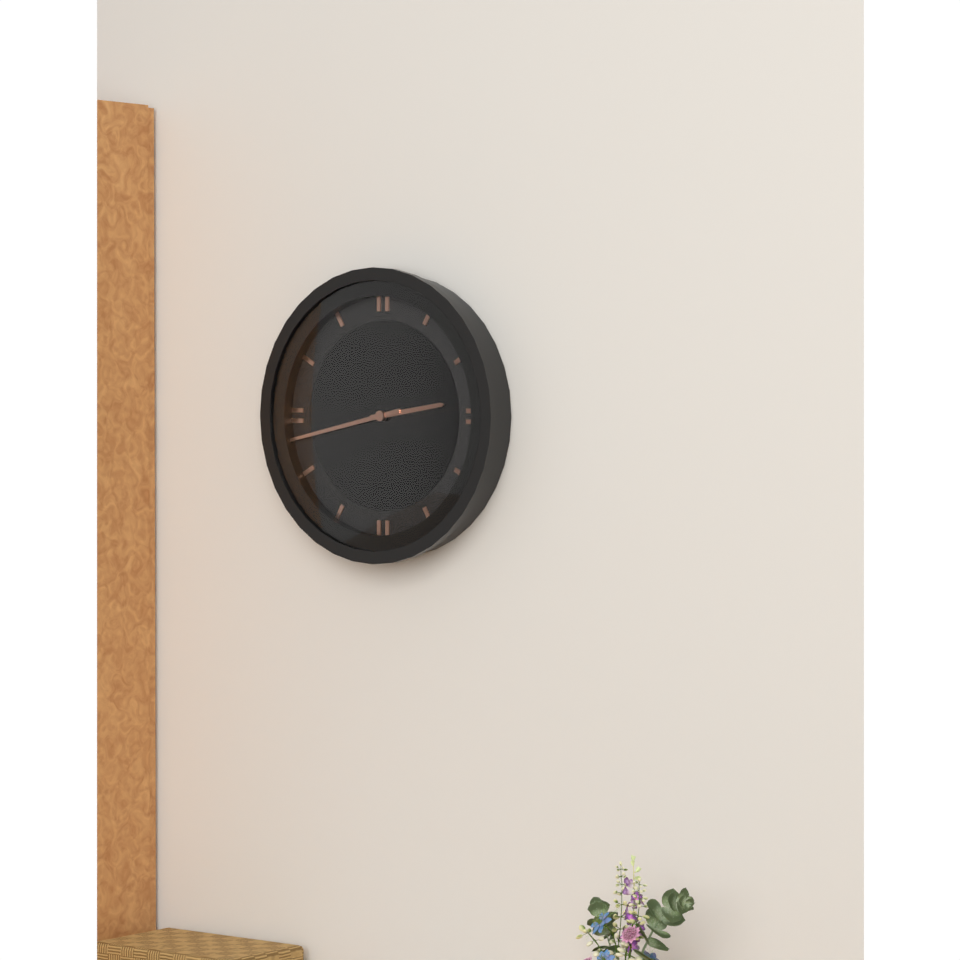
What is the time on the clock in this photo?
2:43
